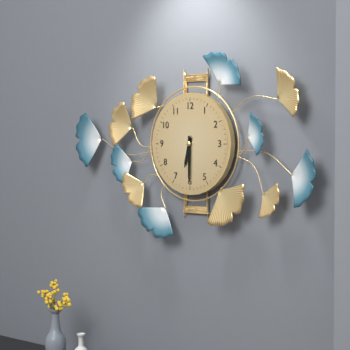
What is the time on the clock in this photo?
6:30
